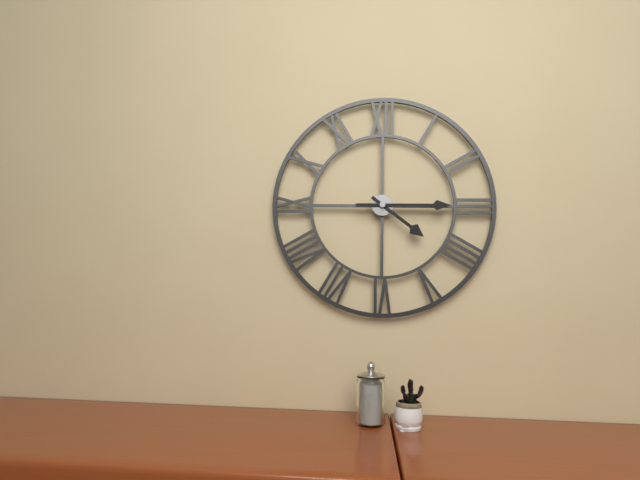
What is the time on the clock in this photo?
4:15
